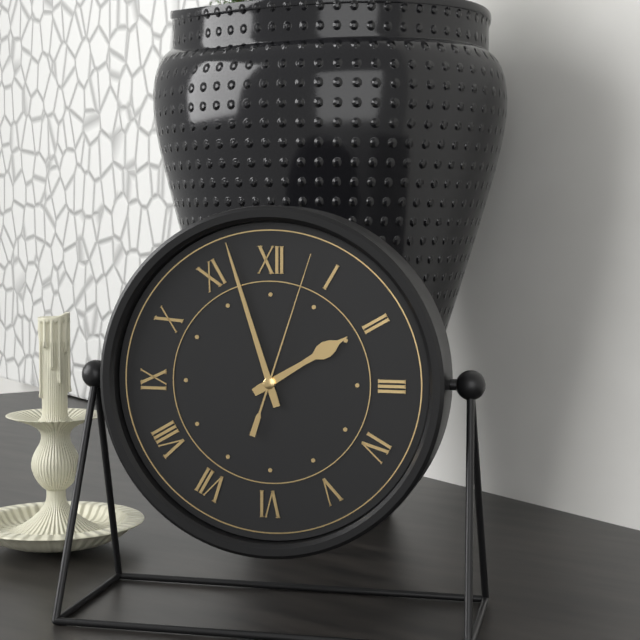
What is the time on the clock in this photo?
1:57:03
